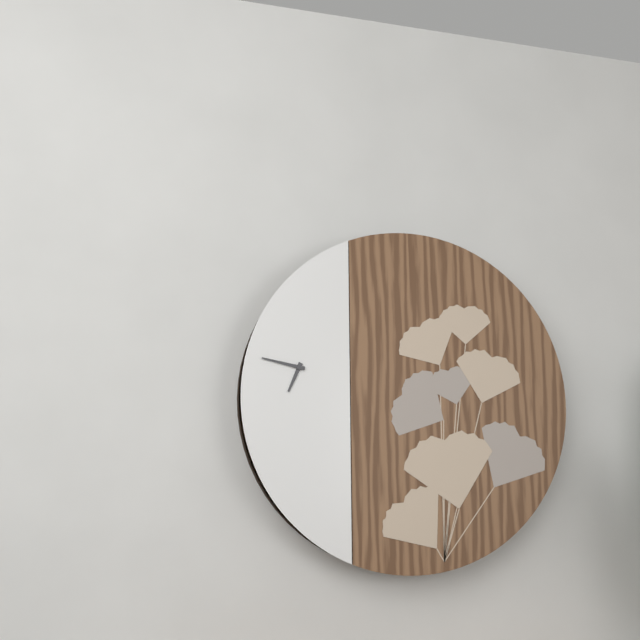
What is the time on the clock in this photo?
6:47
